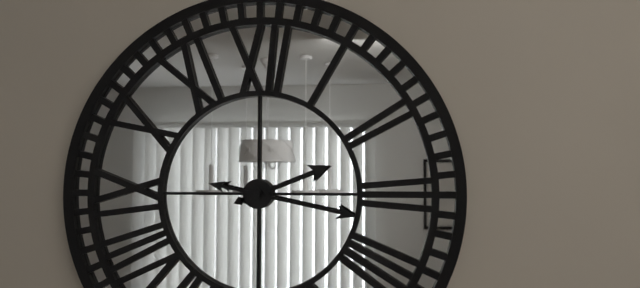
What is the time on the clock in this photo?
2:17
